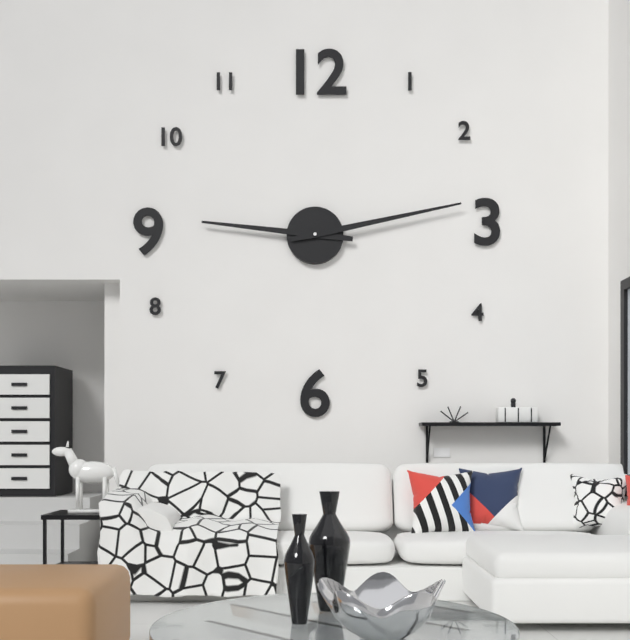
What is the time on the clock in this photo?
9:13
